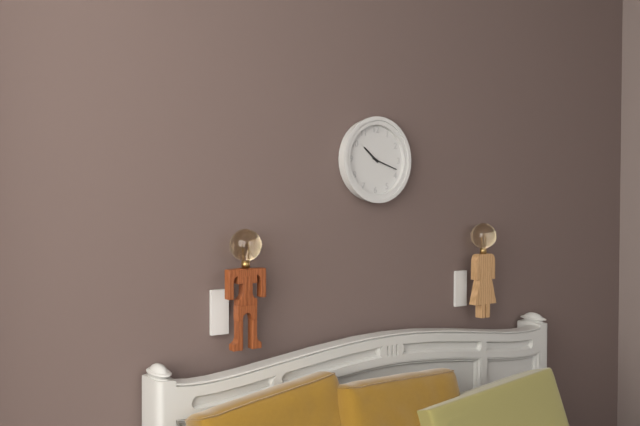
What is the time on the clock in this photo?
10:18
